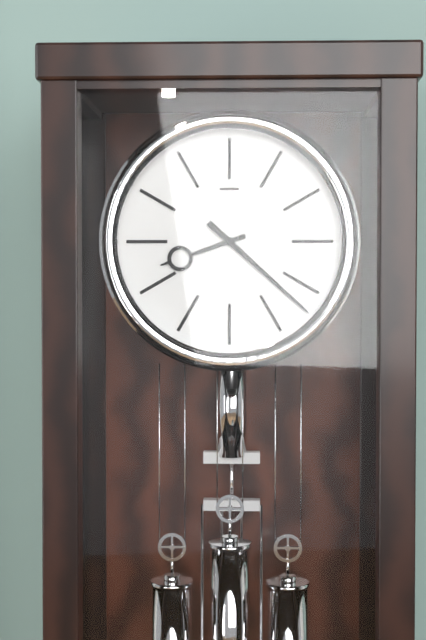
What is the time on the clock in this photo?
8:22
